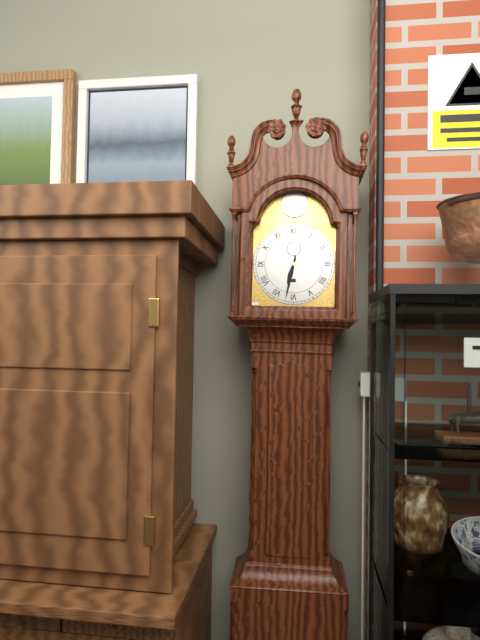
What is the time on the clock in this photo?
6:32
